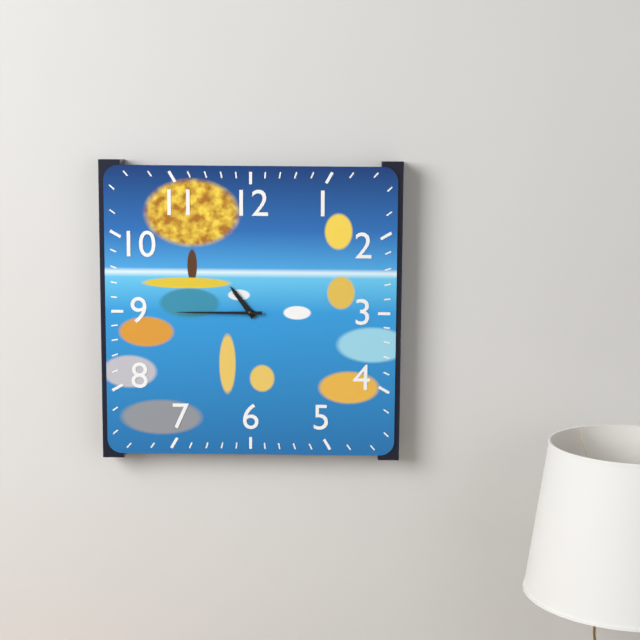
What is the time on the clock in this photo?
10:45
